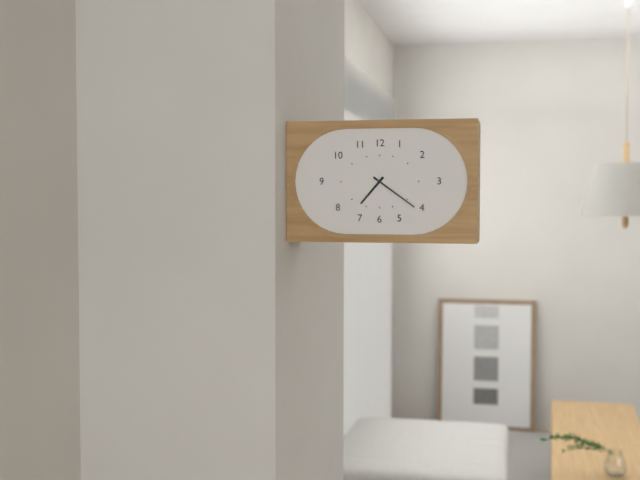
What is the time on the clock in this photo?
7:21
